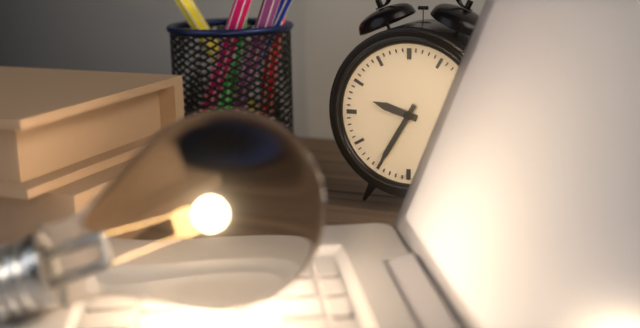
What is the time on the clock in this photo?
9:35
